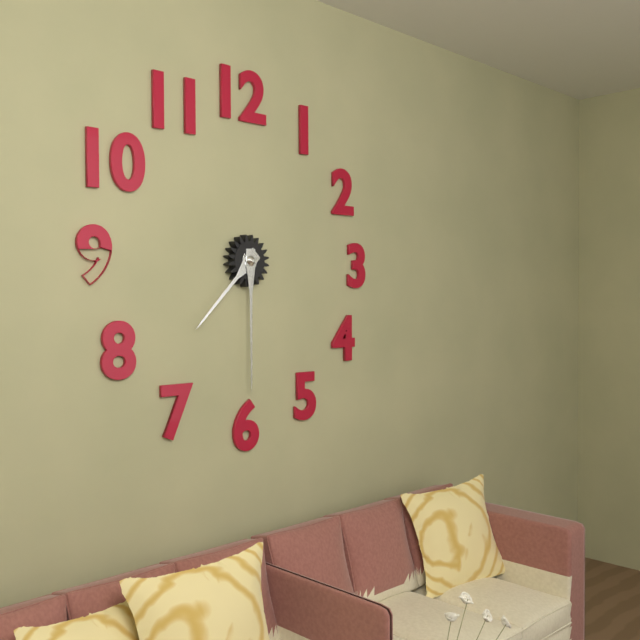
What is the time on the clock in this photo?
7:30
